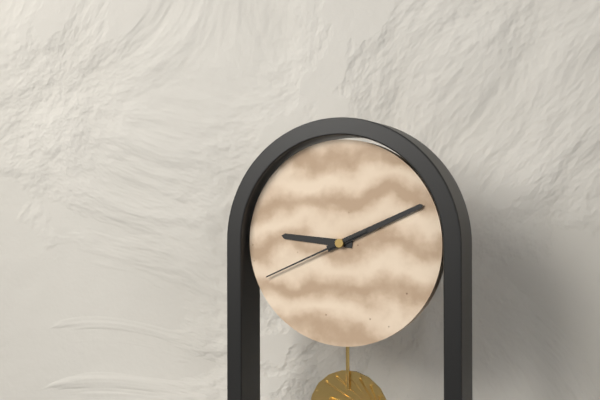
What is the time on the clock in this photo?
9:11:41
